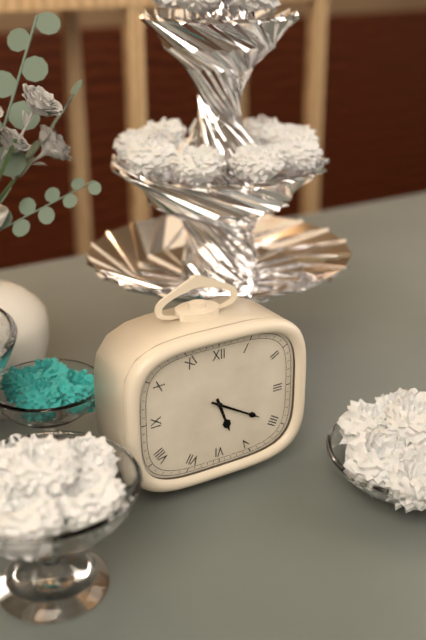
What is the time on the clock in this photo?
5:20
